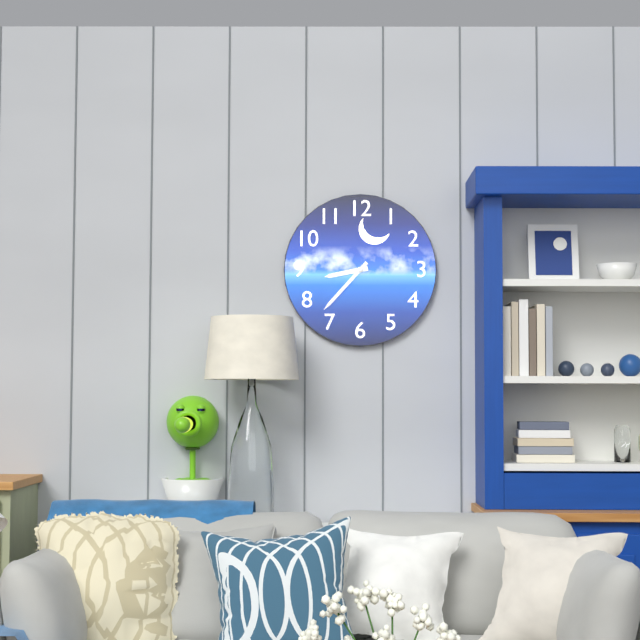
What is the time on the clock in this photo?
8:37
